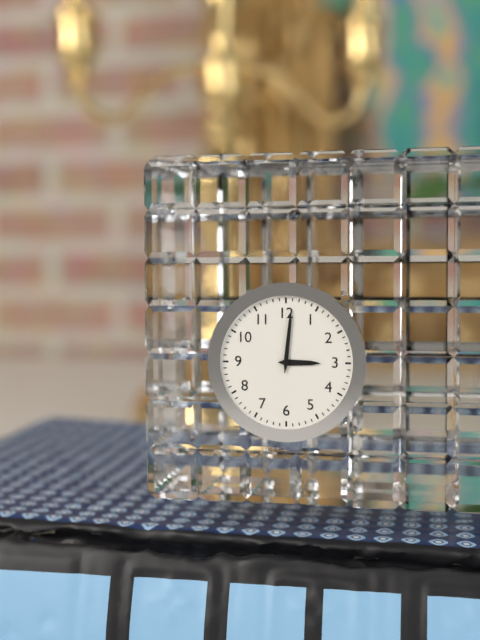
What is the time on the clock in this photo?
3:01
